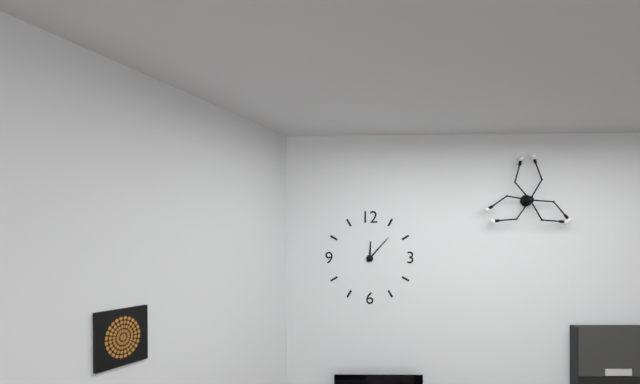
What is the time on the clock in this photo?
12:07
